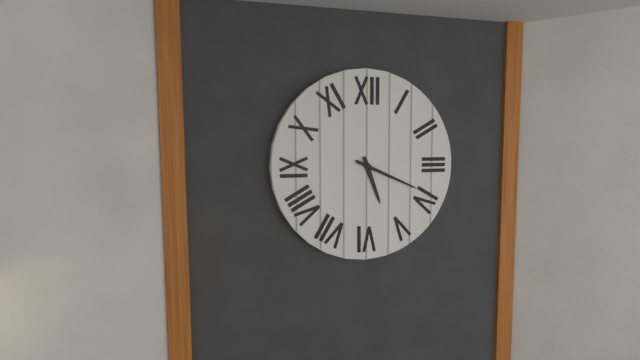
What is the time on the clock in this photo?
5:19
